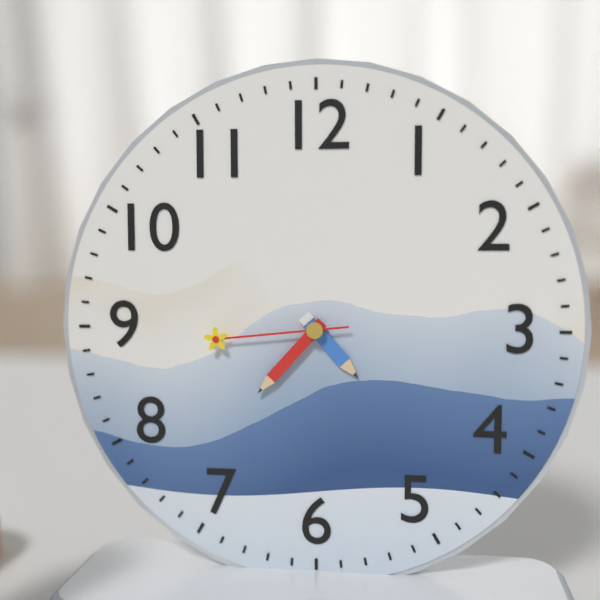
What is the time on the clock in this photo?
4:37:44
